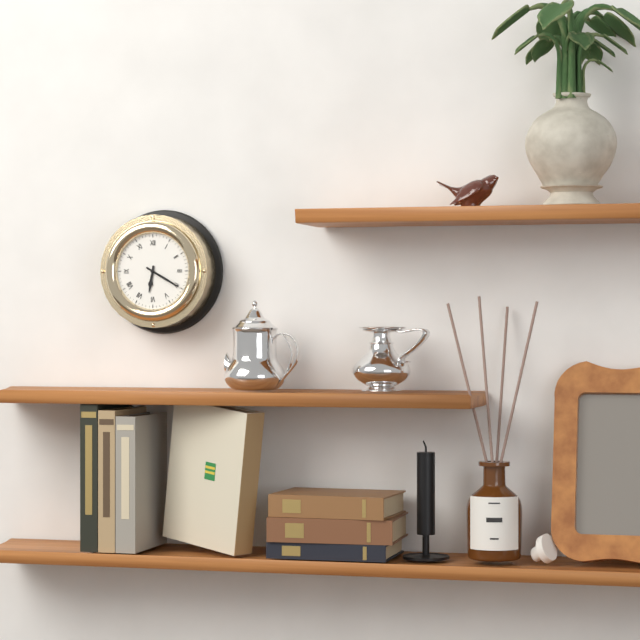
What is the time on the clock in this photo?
6:20
